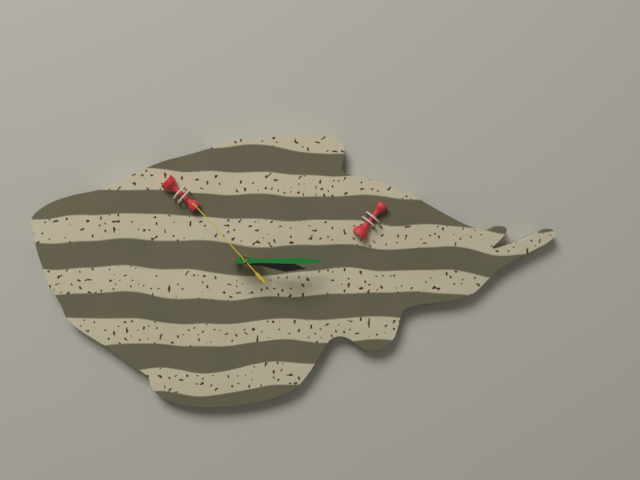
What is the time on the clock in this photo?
3:15:53
